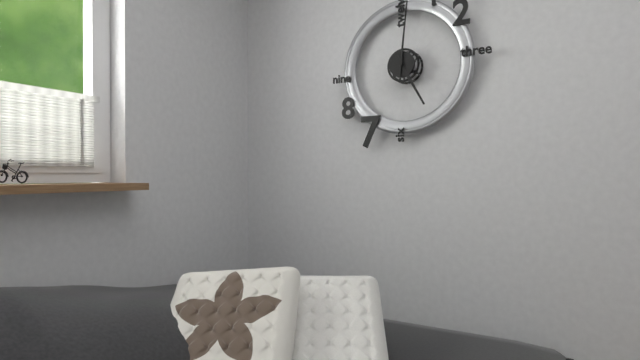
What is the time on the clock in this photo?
5:01
